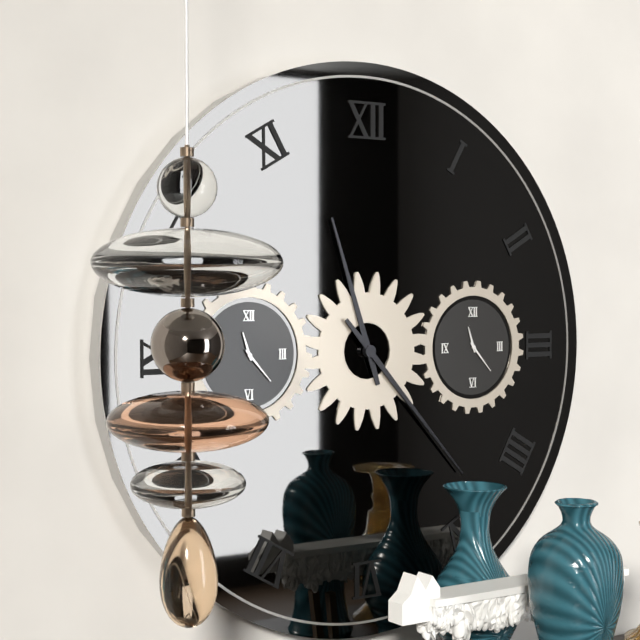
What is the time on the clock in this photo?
11:23
